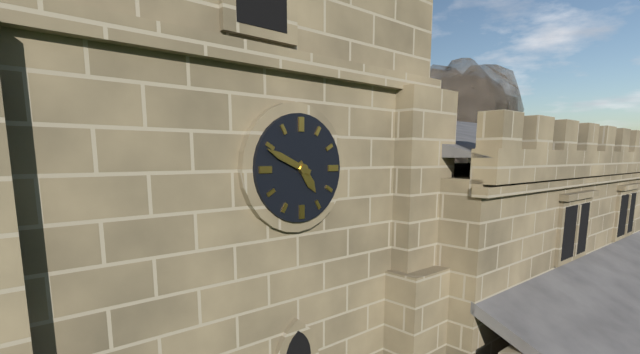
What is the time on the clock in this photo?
4:49
